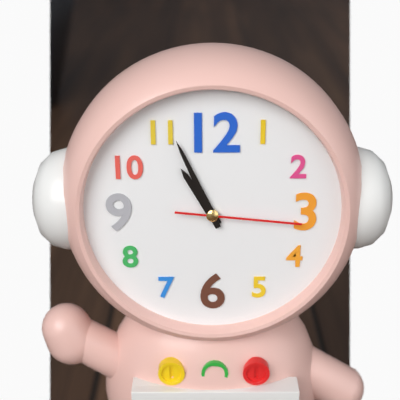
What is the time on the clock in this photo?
10:56:16
